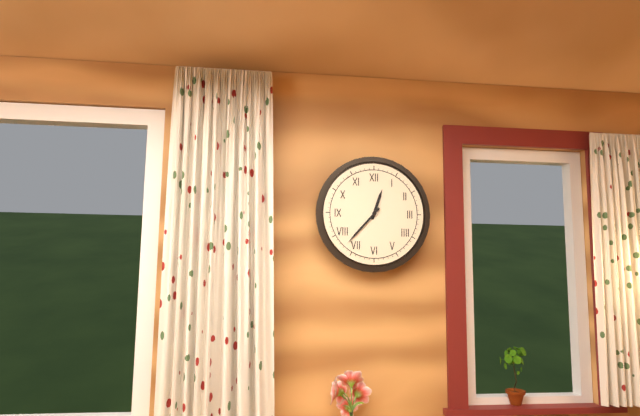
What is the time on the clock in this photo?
12:37
